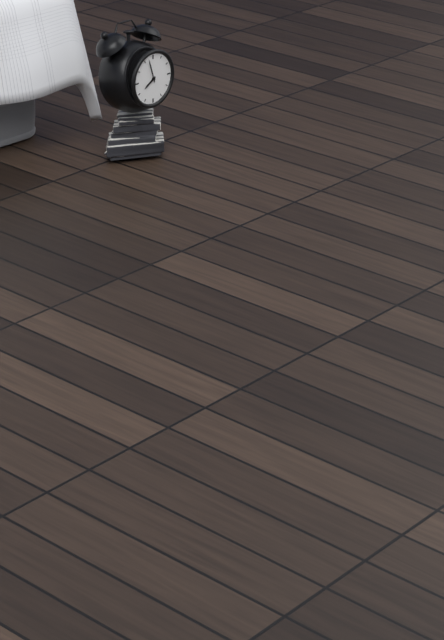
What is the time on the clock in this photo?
7:57
